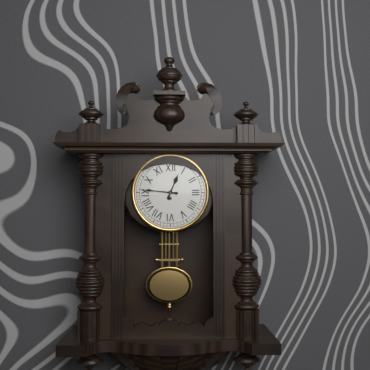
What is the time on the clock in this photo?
12:46
